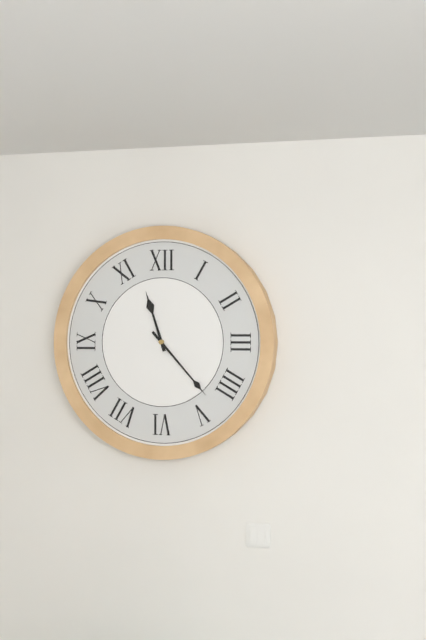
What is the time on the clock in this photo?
11:23
